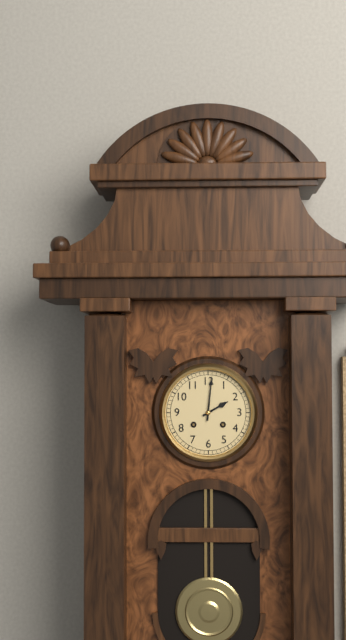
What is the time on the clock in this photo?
2:01
